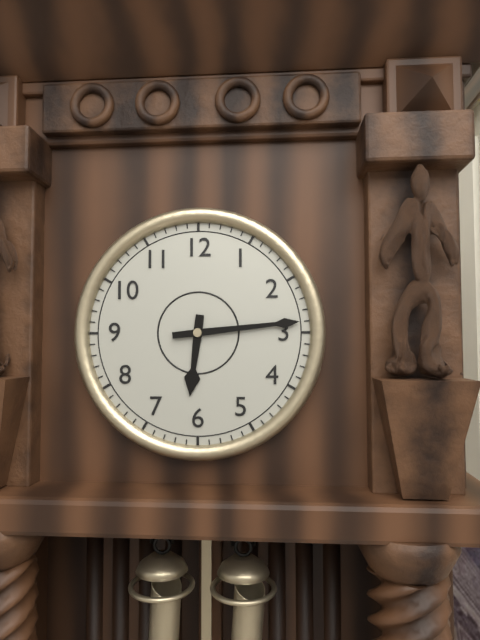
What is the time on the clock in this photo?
6:14
